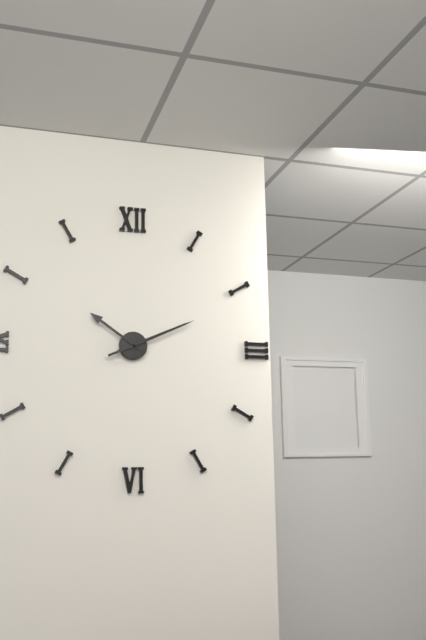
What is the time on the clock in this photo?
10:11
